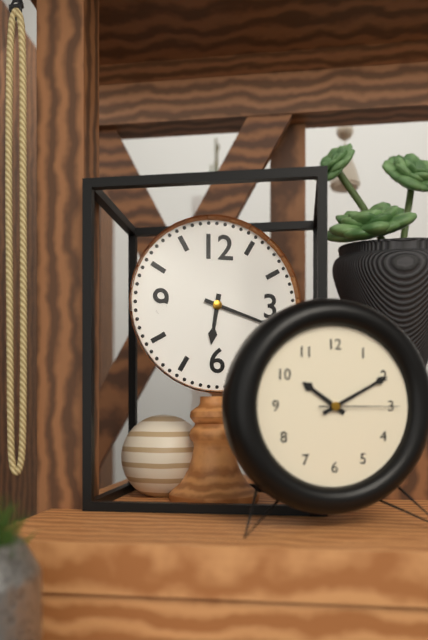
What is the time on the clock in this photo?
6:18
